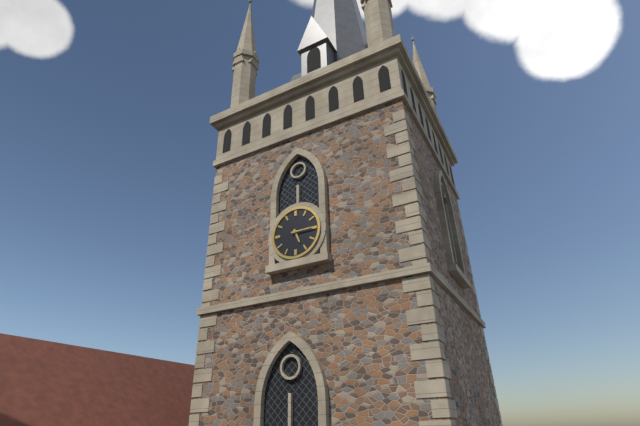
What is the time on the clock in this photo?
5:15
